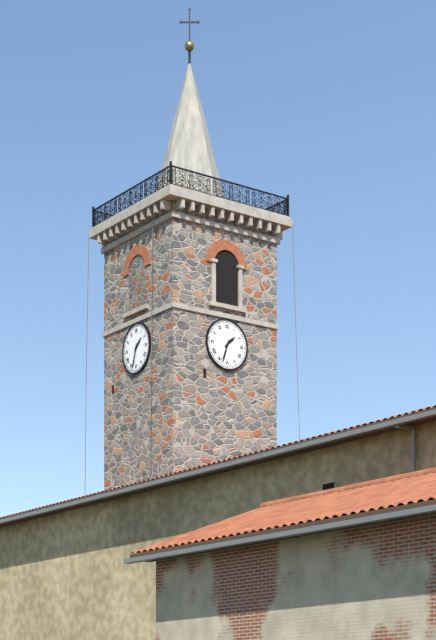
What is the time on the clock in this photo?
1:33
